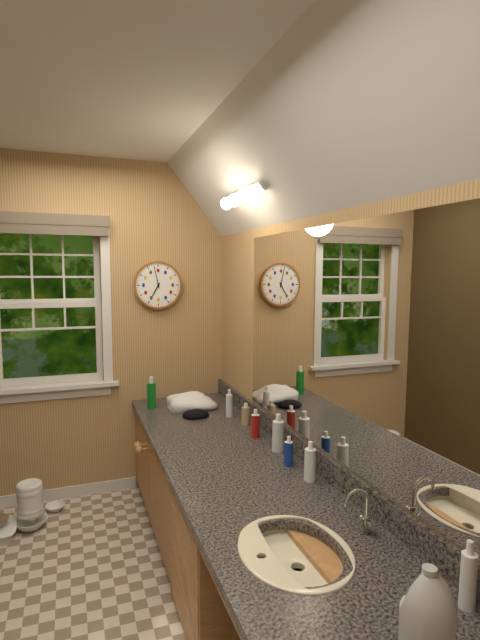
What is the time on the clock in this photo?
6:58
